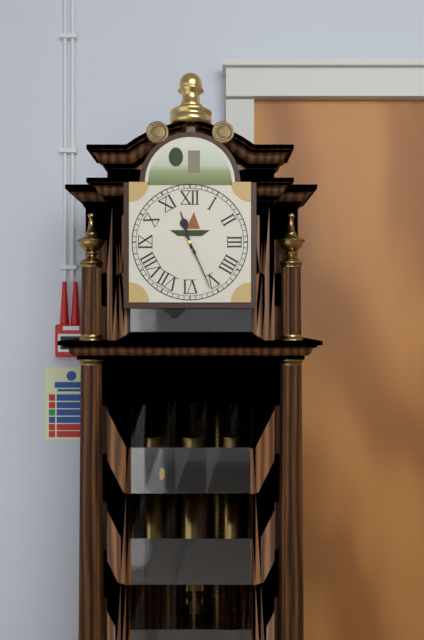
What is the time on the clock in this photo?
11:26
